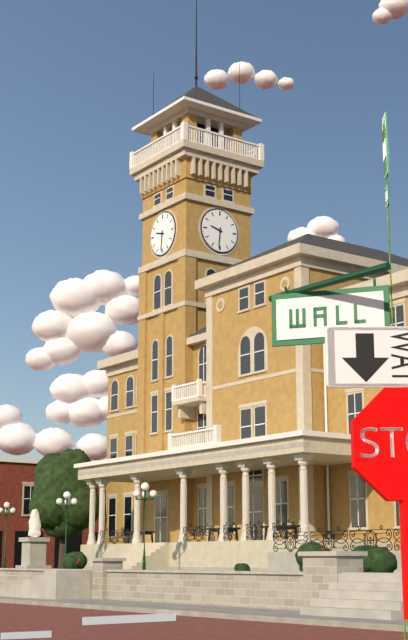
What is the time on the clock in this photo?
9:31
